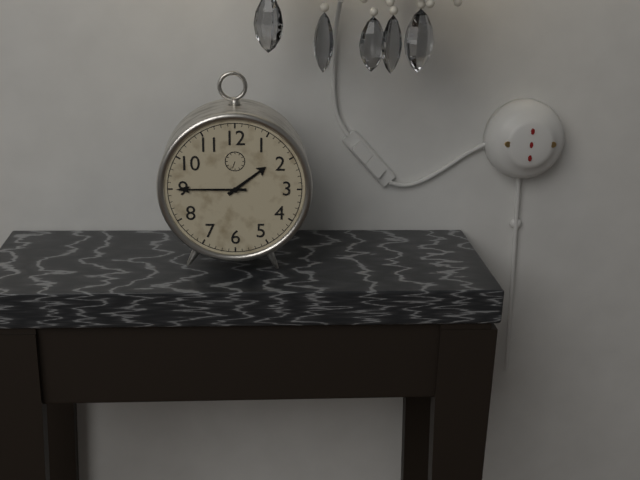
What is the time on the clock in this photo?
1:45
